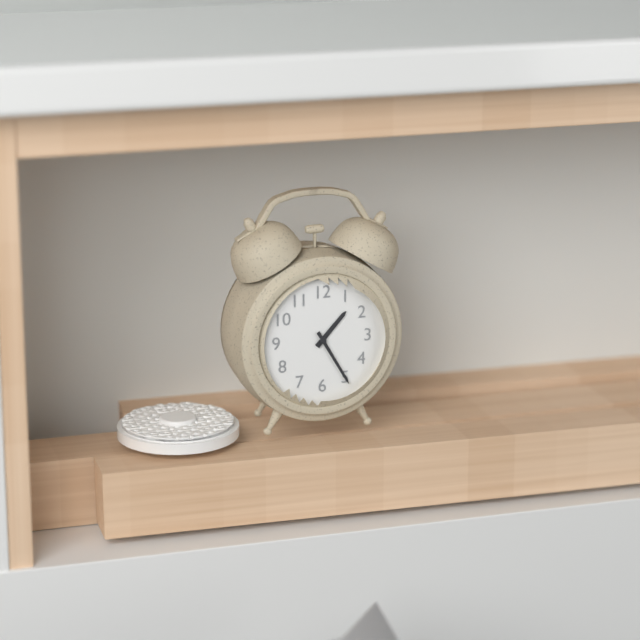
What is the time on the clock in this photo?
1:25
